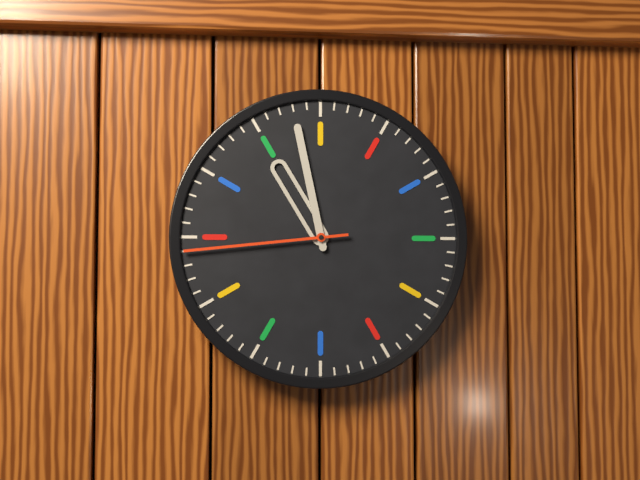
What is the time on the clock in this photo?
10:58:44
